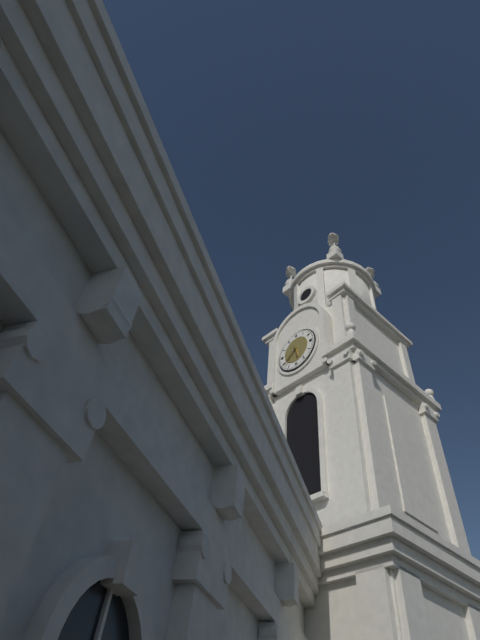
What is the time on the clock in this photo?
5:38
